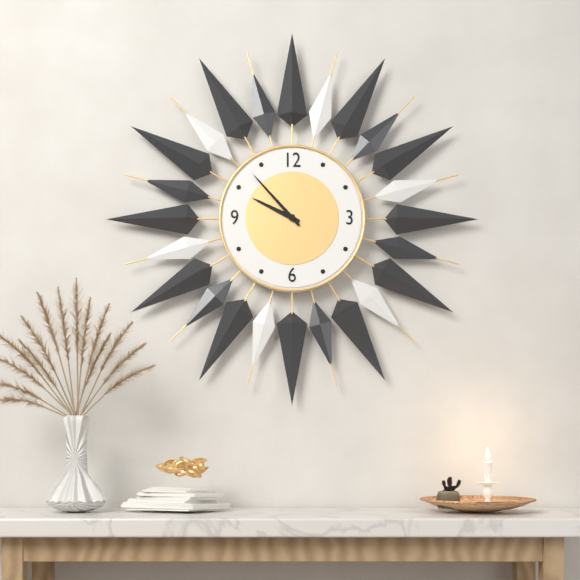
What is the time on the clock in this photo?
9:53
